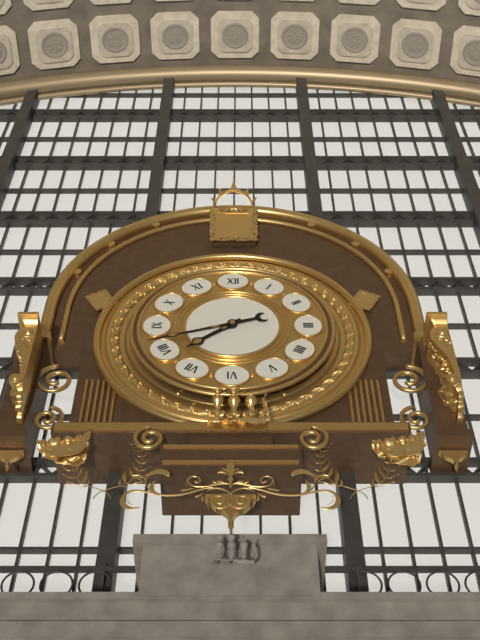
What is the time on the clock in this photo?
7:42
